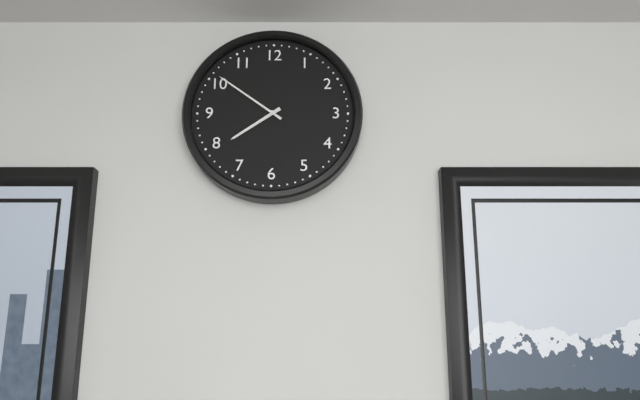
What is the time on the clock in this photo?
7:51
